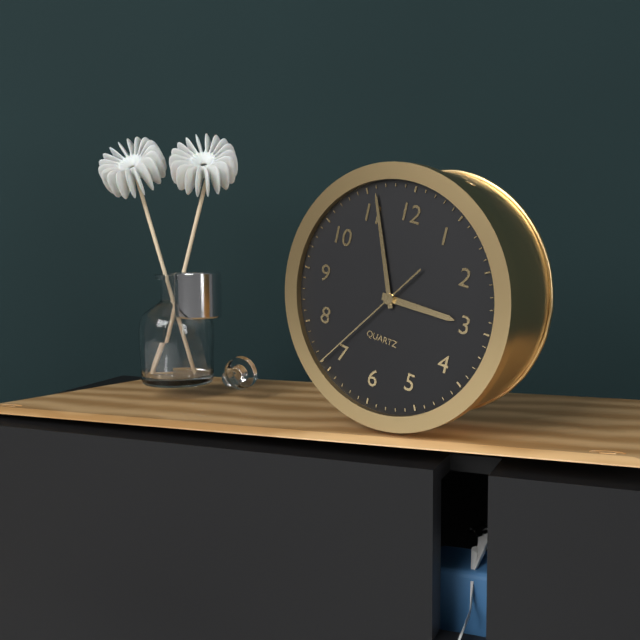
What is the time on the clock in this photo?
2:56:36
